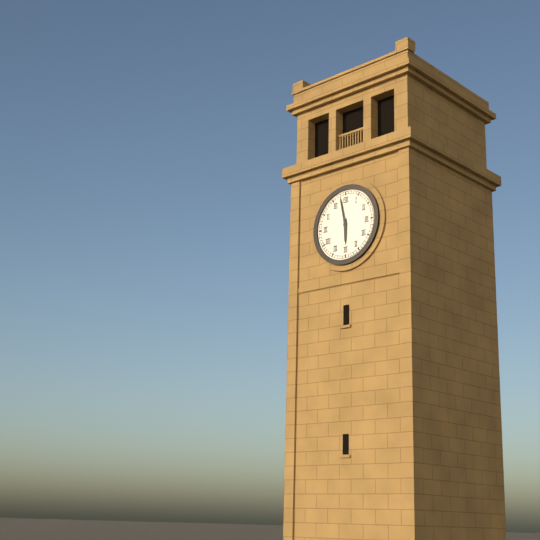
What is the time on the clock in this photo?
5:58
